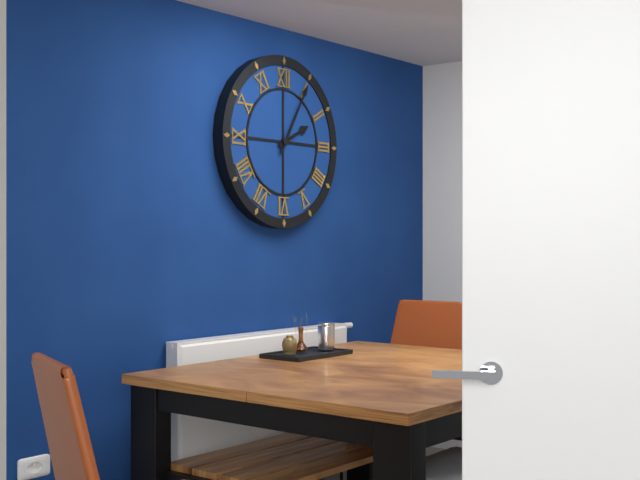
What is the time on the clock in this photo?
2:05
